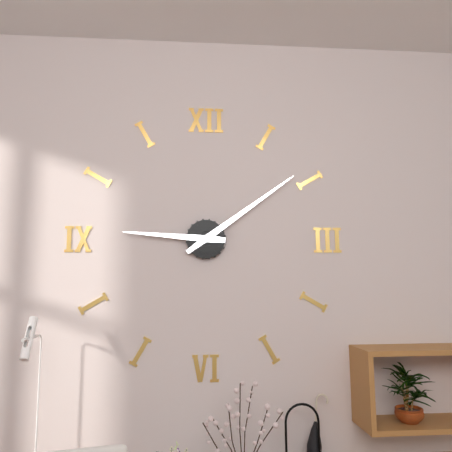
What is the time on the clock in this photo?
9:09
